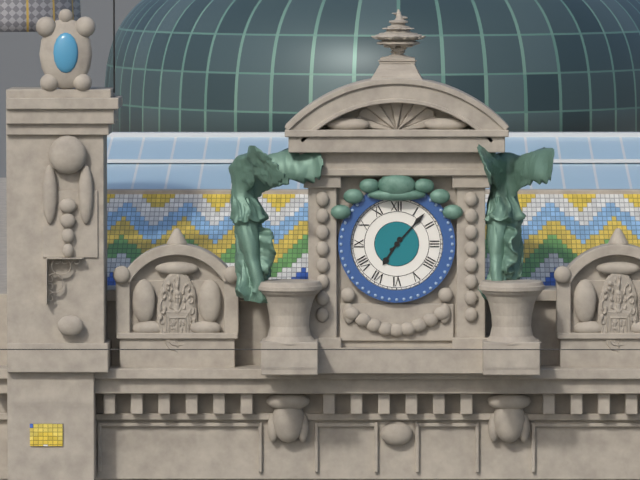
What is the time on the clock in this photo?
7:07
